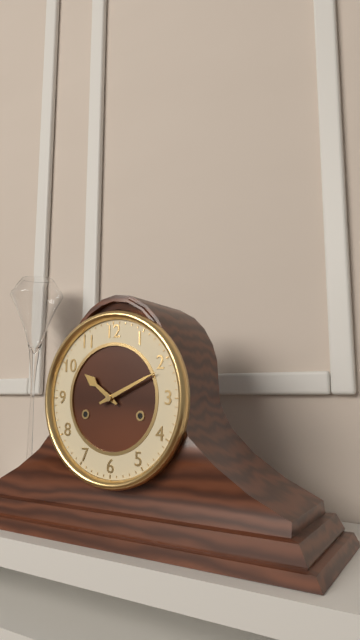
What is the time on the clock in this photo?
10:11
